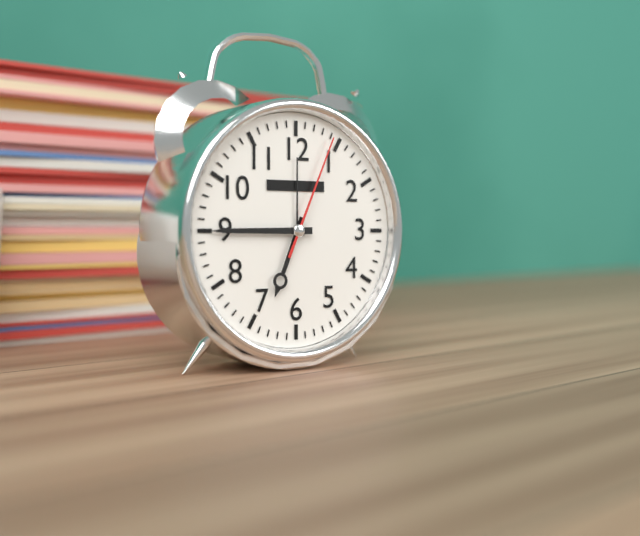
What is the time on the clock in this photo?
6:45:04
